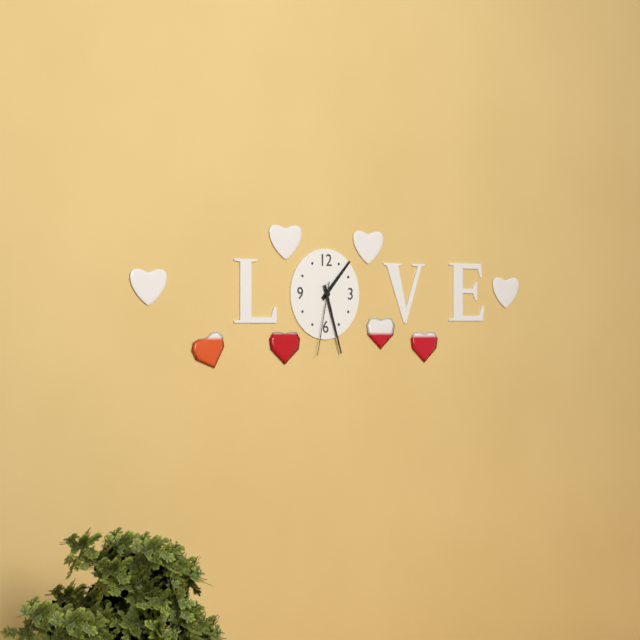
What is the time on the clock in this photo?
1:27:32
